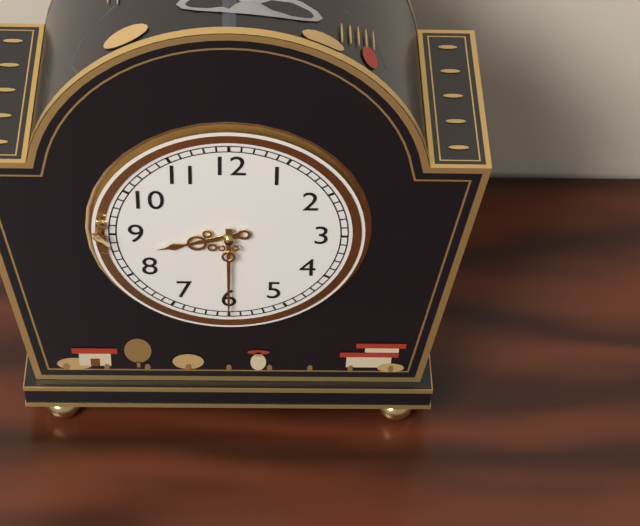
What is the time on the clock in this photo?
8:30
